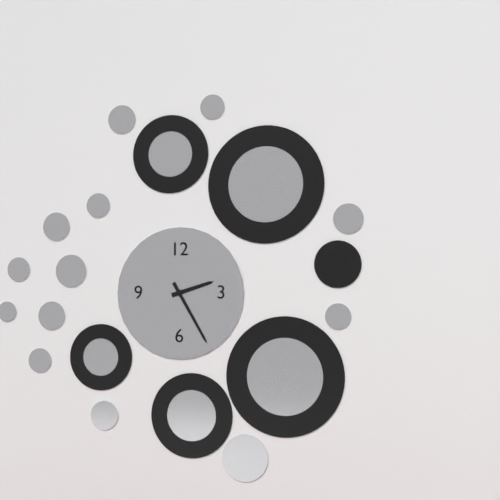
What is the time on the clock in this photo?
2:25
